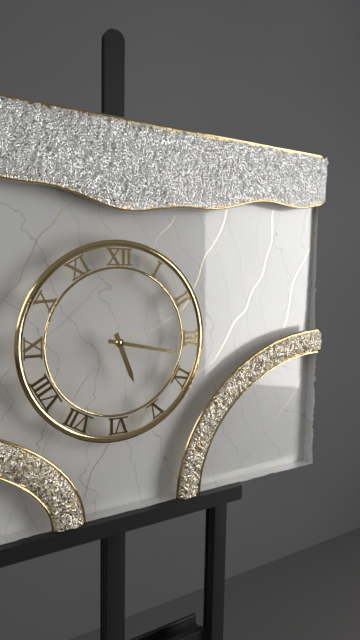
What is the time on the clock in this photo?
5:17
